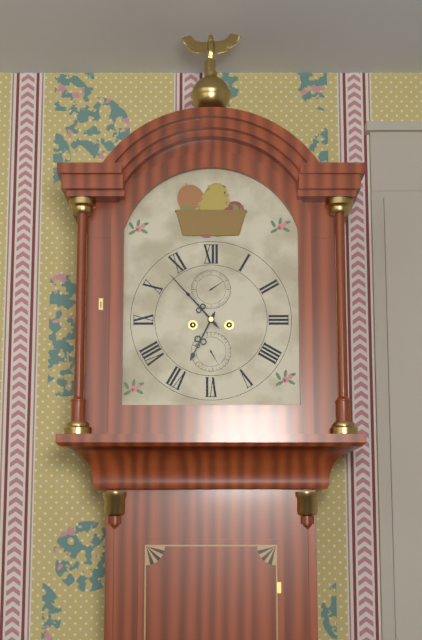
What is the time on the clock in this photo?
6:53
